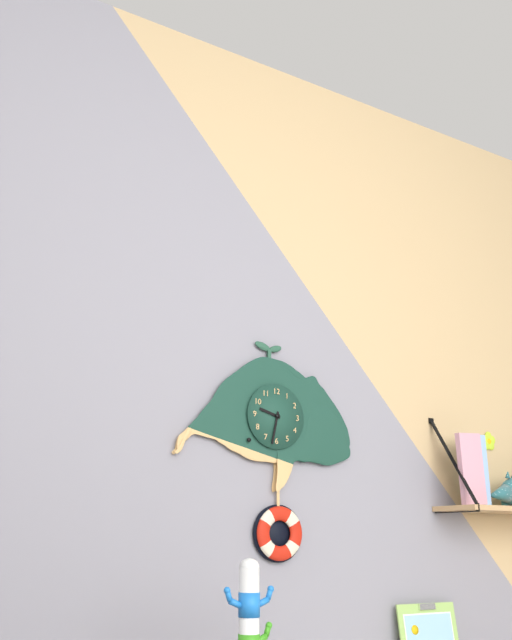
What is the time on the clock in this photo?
9:32
